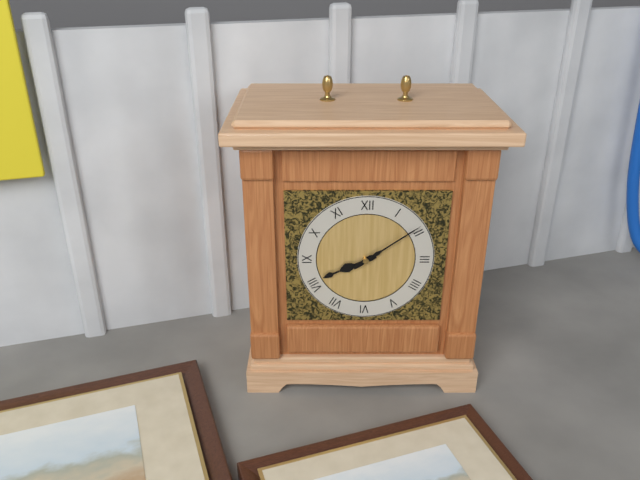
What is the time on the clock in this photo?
8:09
